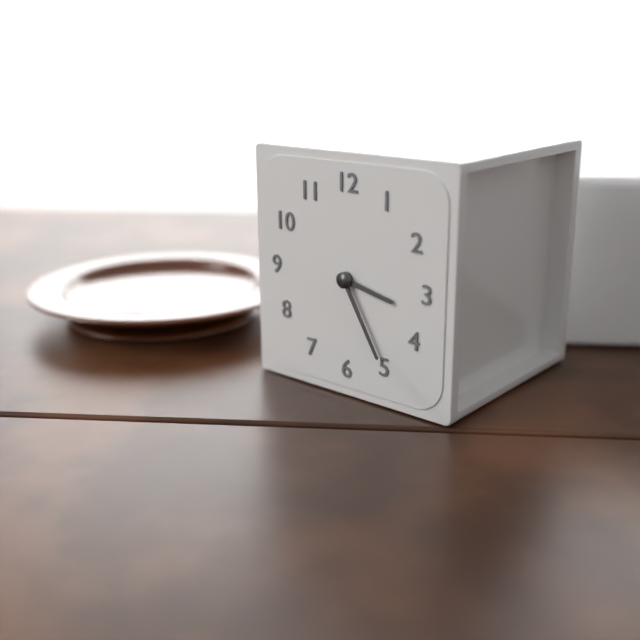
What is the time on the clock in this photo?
3:25
